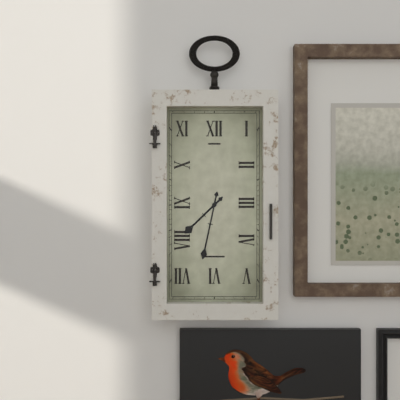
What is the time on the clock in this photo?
7:32
